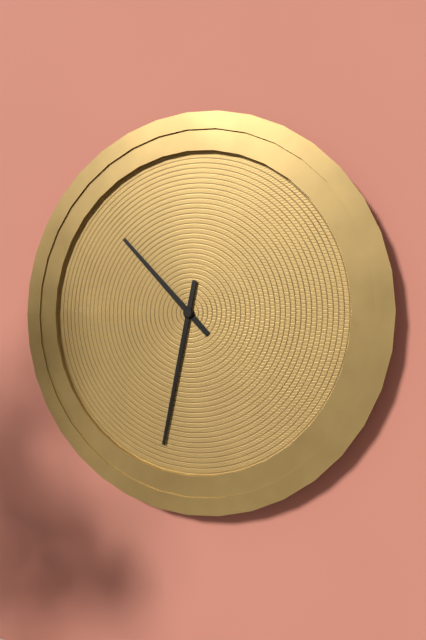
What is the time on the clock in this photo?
10:32
